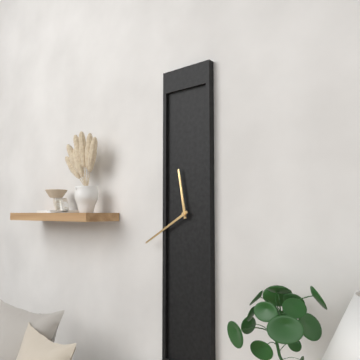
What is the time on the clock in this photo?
11:40
